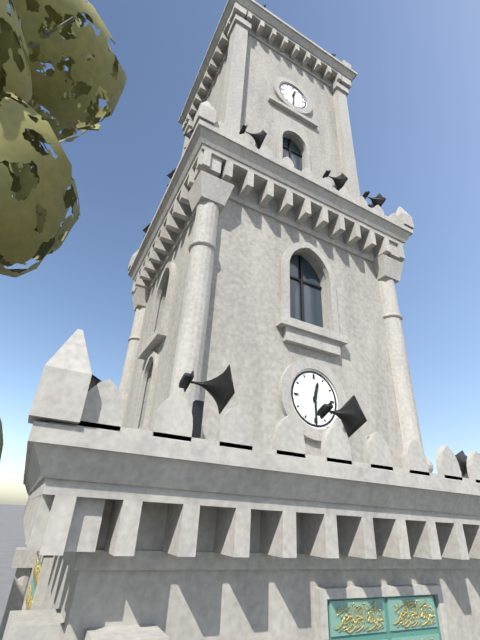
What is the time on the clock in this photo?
12:30
